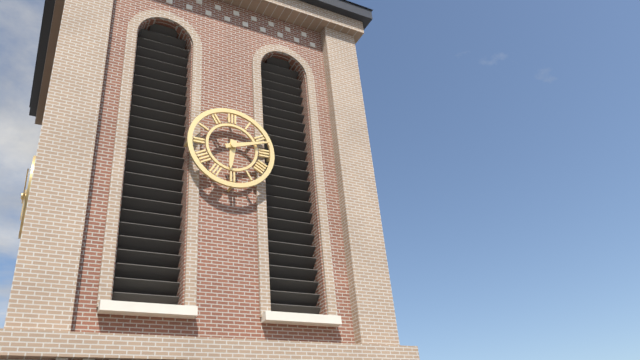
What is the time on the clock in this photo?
6:12
